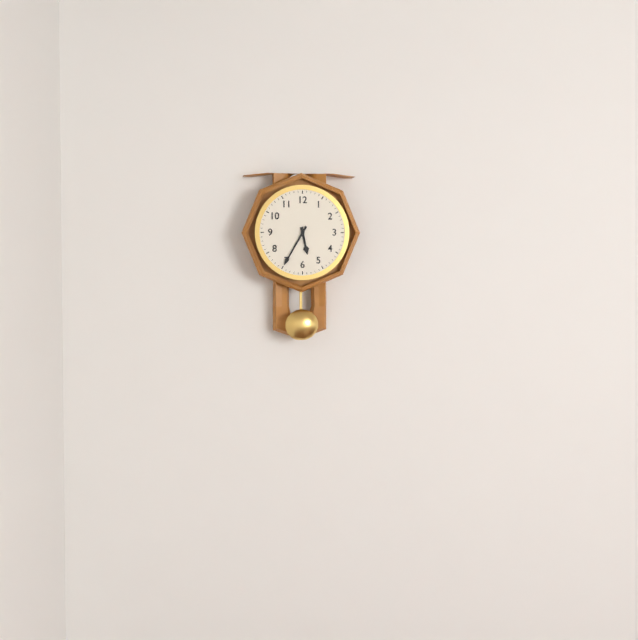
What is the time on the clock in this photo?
5:35
